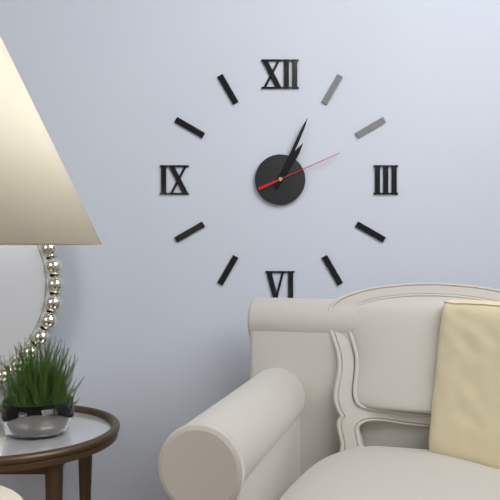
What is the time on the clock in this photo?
1:04:11
